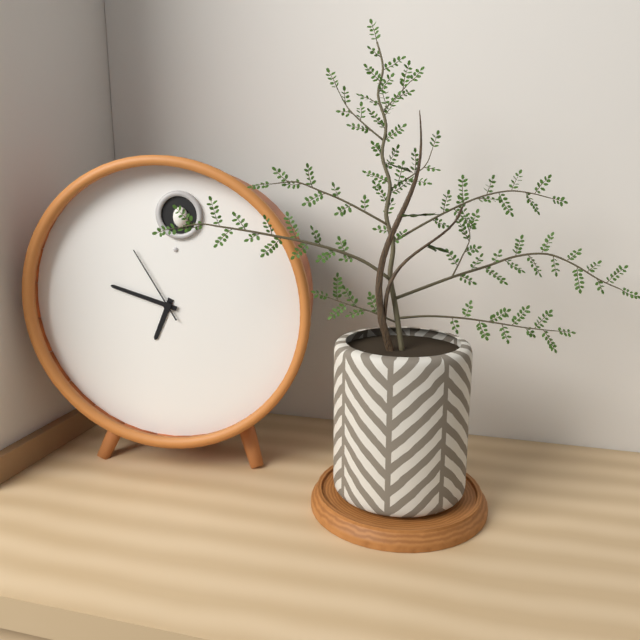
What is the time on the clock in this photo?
6:48:55
